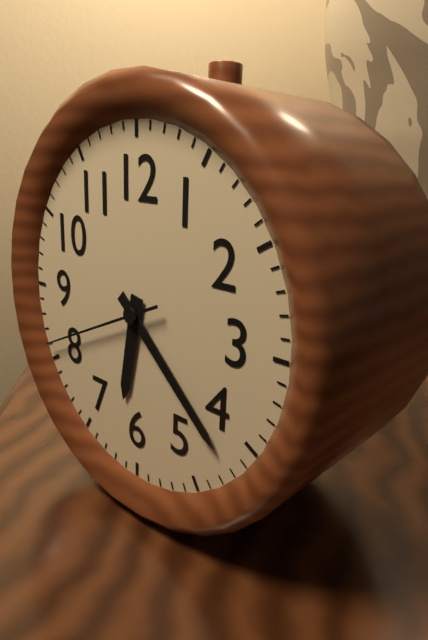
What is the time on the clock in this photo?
6:22:41
